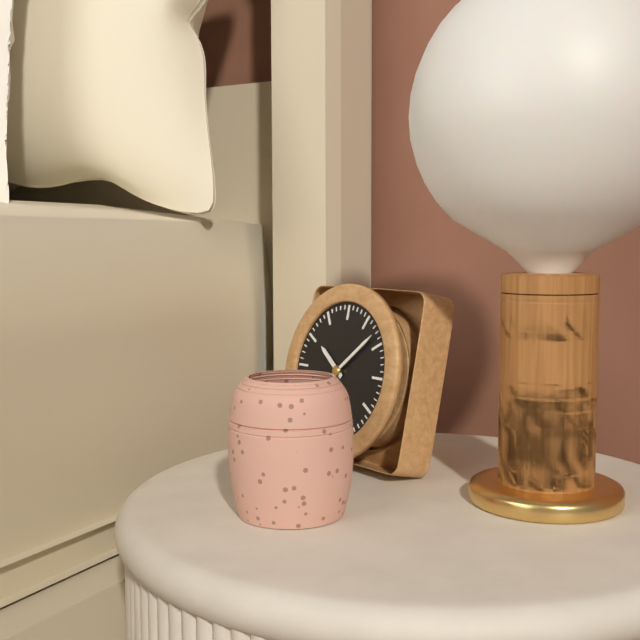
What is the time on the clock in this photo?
10:08
